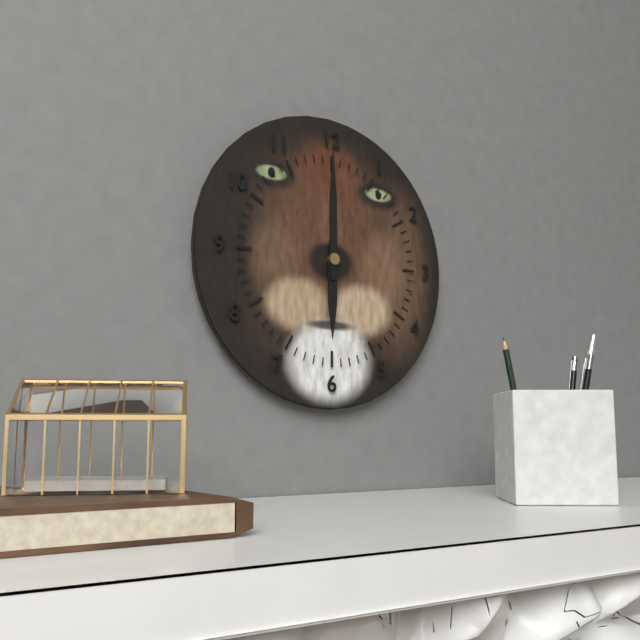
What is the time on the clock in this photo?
6:00
